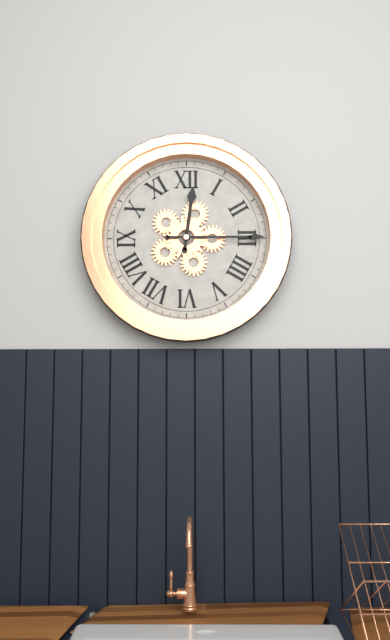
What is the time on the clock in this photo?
12:15
